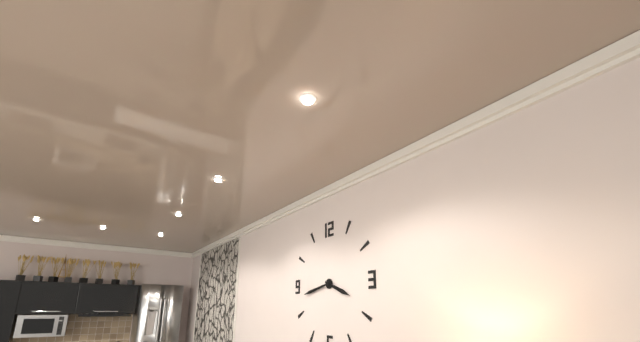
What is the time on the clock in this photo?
3:43
